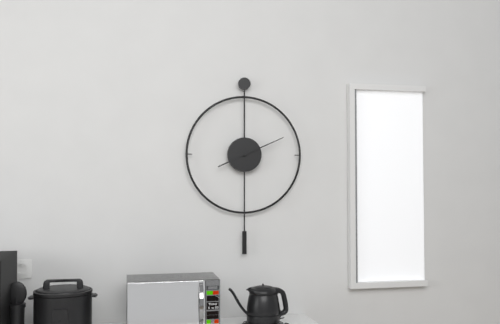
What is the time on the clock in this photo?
8:11
